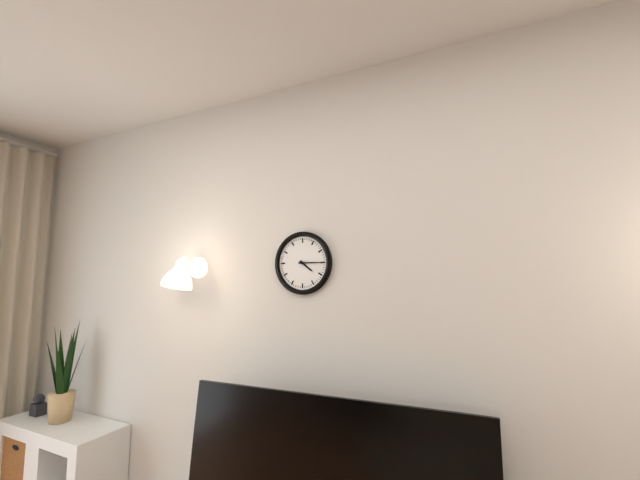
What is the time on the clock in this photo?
4:15
